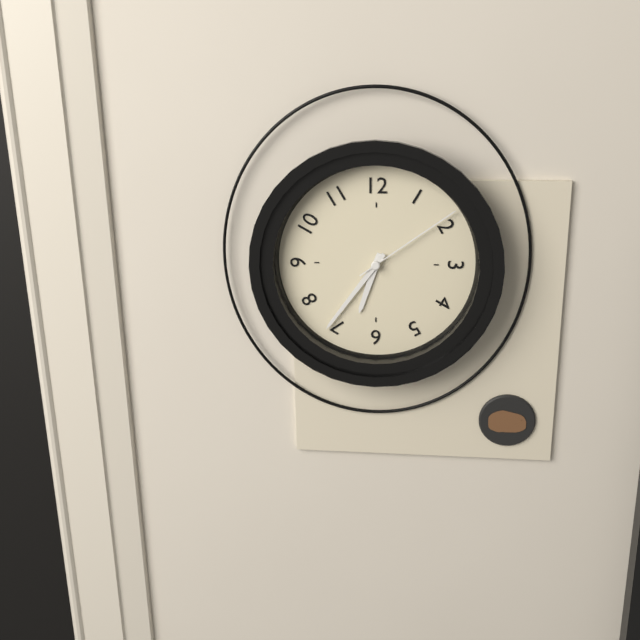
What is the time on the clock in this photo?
6:36:09
